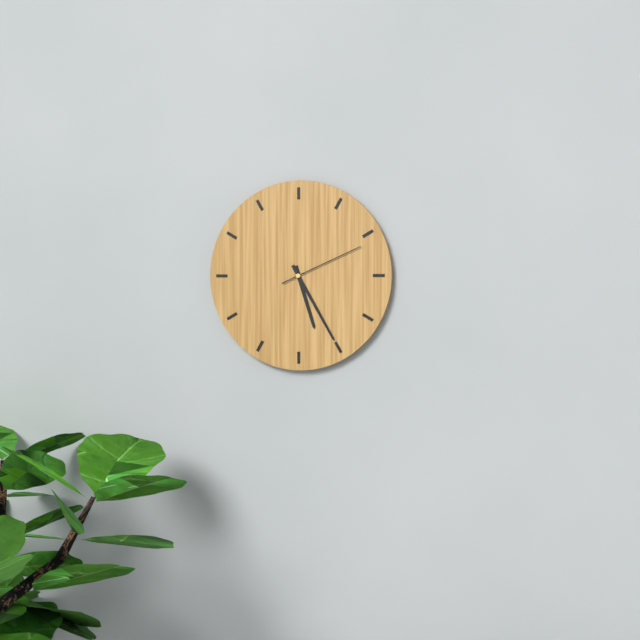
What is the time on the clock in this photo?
5:25:11
